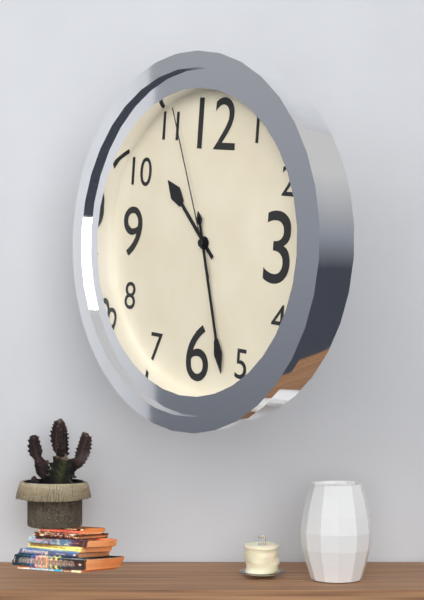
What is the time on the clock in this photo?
10:27:56
